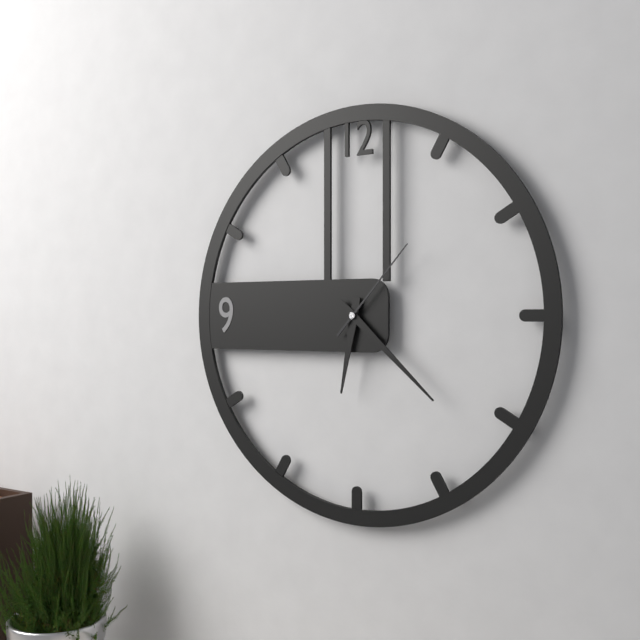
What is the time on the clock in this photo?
6:22:07
